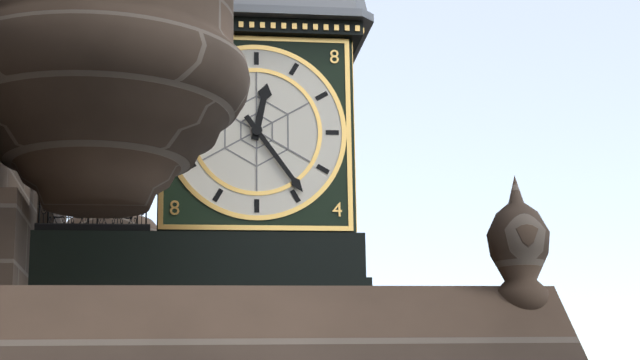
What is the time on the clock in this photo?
12:24
